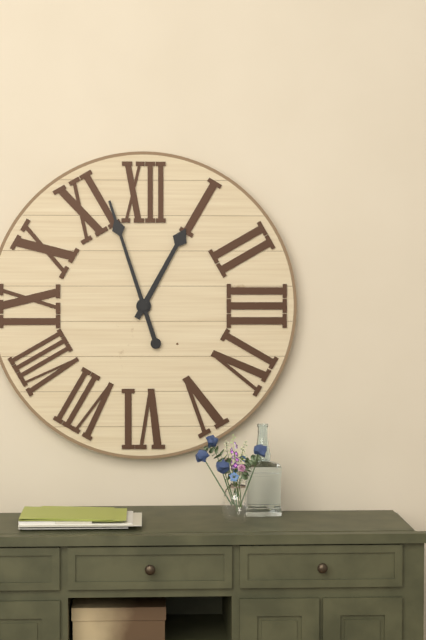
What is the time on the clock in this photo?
12:57
